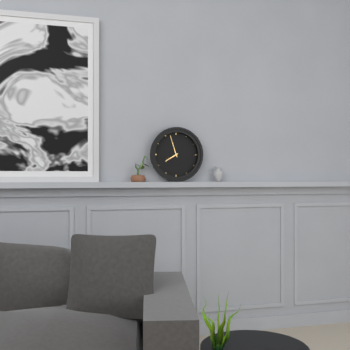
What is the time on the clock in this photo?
7:57
